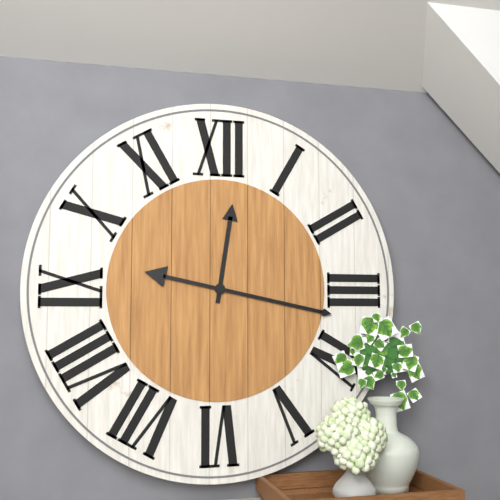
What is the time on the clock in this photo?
12:17
